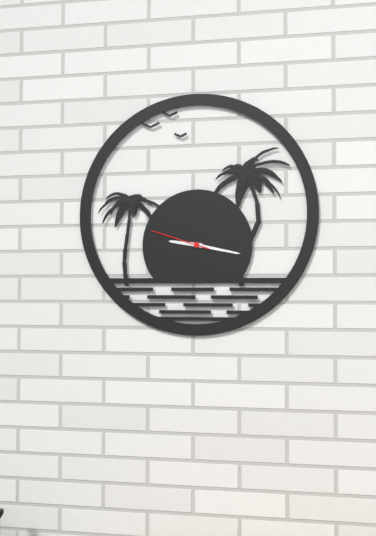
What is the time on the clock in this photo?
9:17:48
